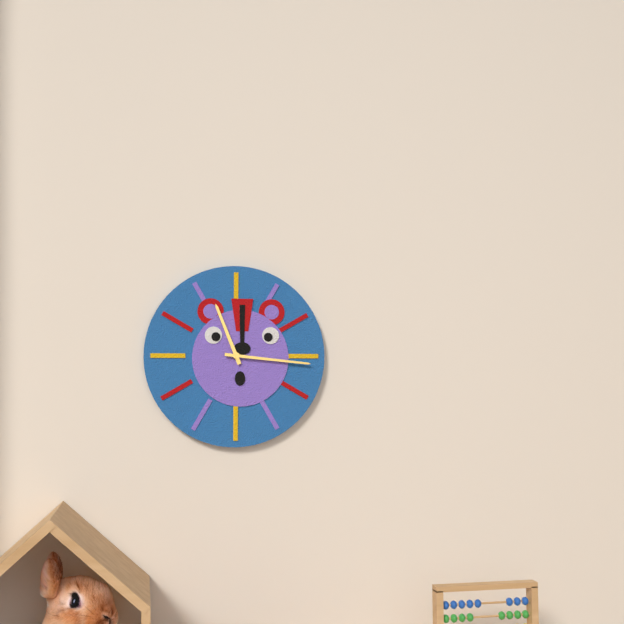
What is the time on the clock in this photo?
11:16
